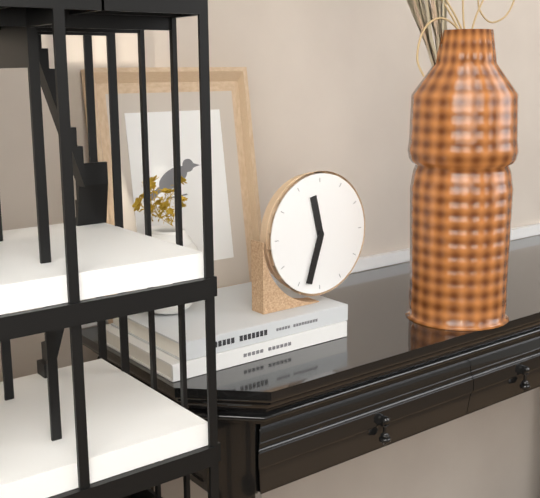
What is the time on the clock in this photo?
11:33
